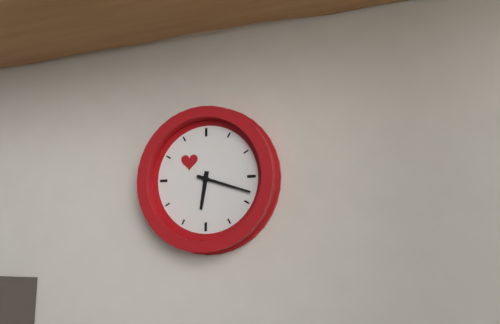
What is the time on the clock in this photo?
6:18
